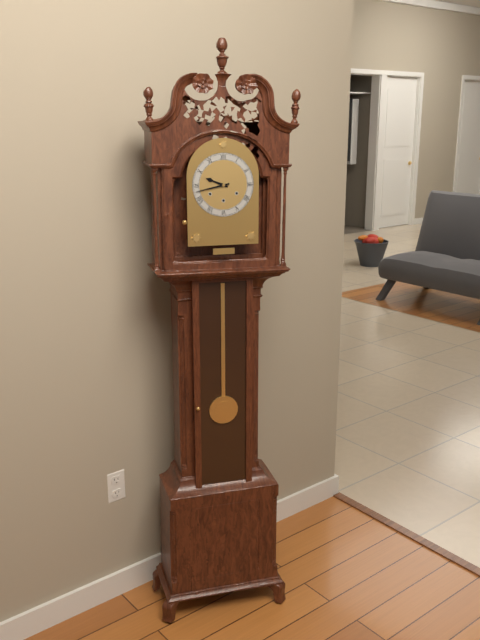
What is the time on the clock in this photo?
9:43
